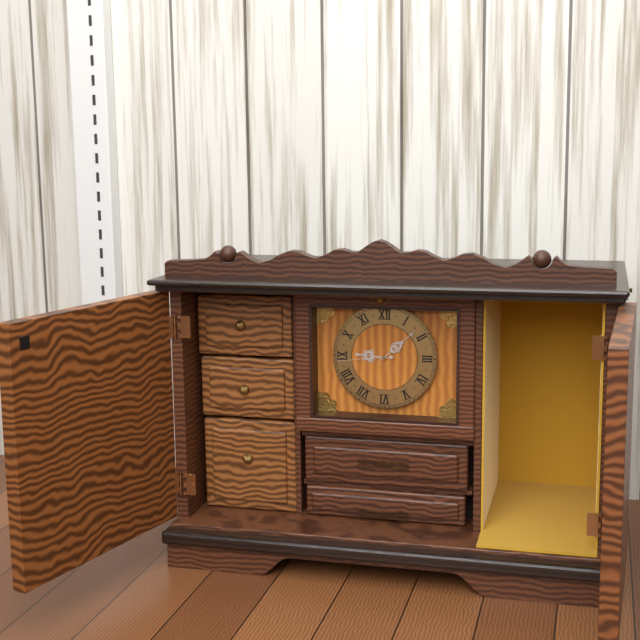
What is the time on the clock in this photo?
9:08:44
